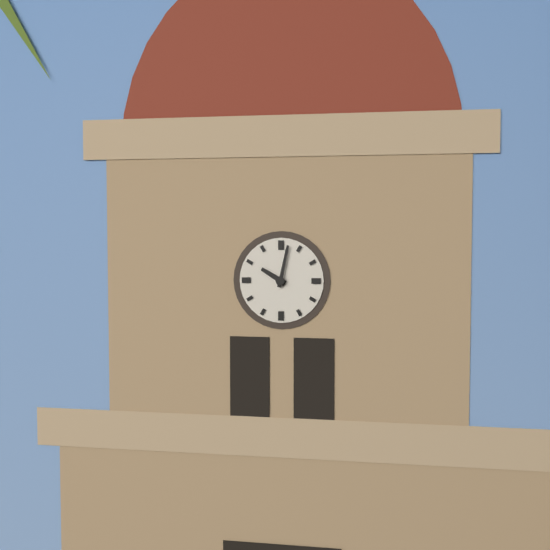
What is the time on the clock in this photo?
10:02
